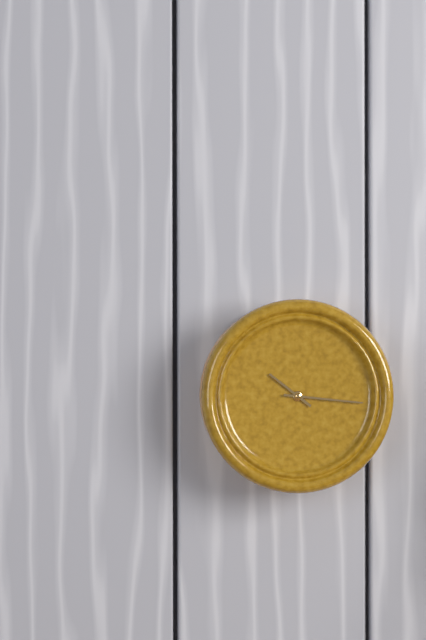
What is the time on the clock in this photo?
10:16
